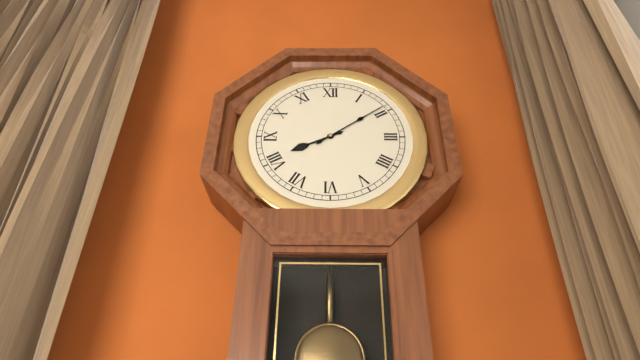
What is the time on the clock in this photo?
8:09
